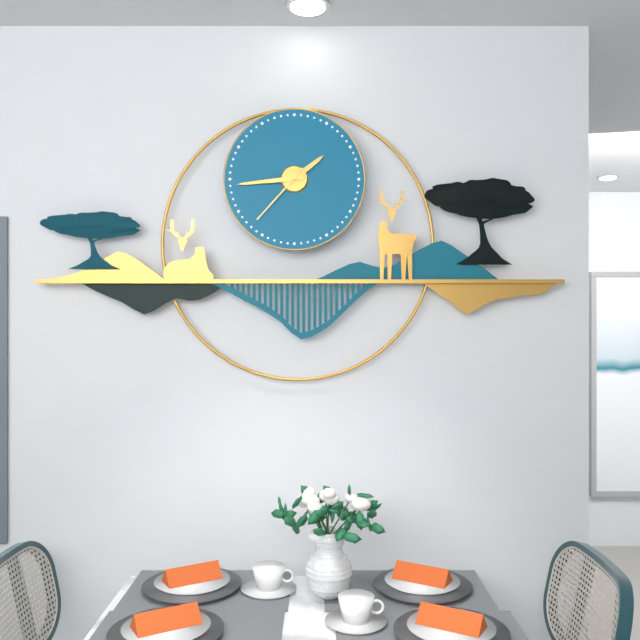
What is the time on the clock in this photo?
1:44:37
